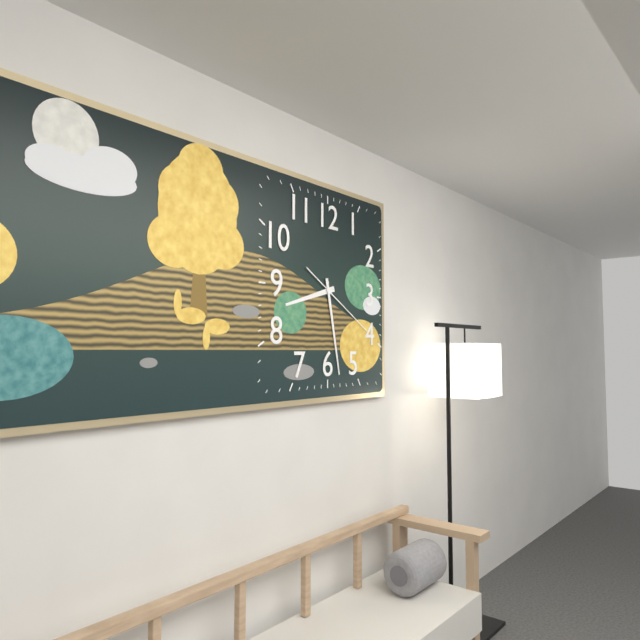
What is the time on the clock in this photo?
8:28:20
